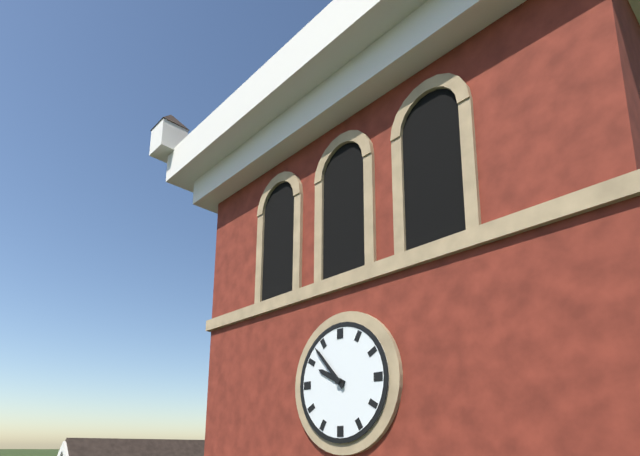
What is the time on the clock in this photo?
9:53
